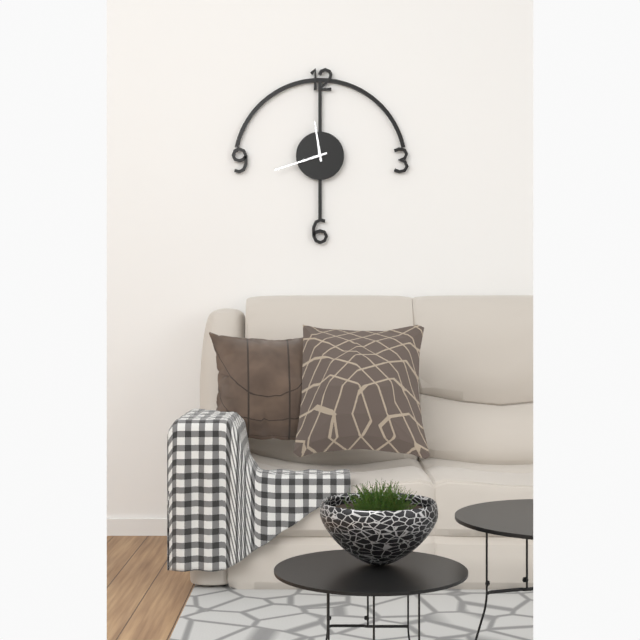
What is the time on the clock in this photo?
11:42
